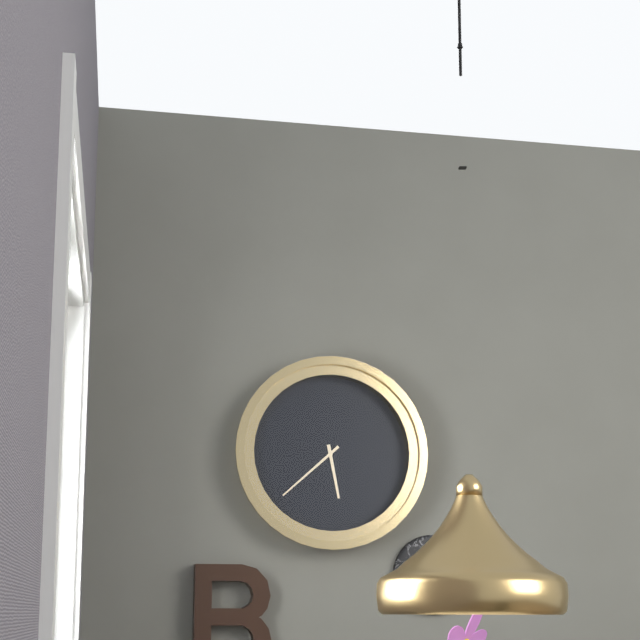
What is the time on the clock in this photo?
5:38
